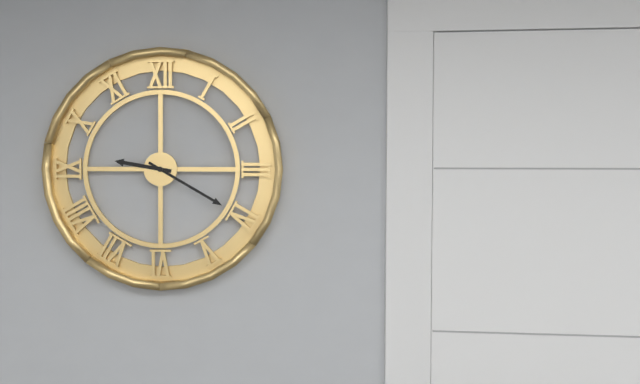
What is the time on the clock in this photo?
9:20
